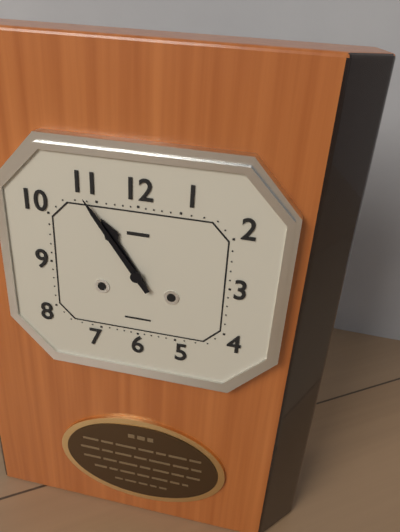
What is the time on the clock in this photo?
10:54
